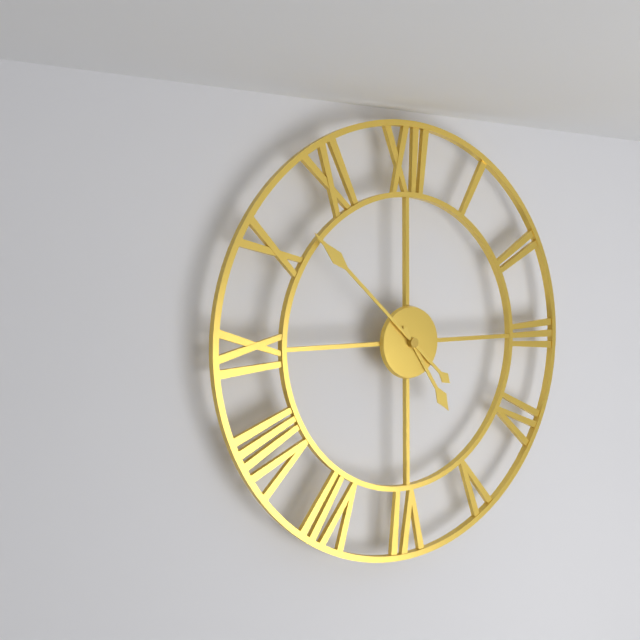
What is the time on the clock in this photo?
4:52
